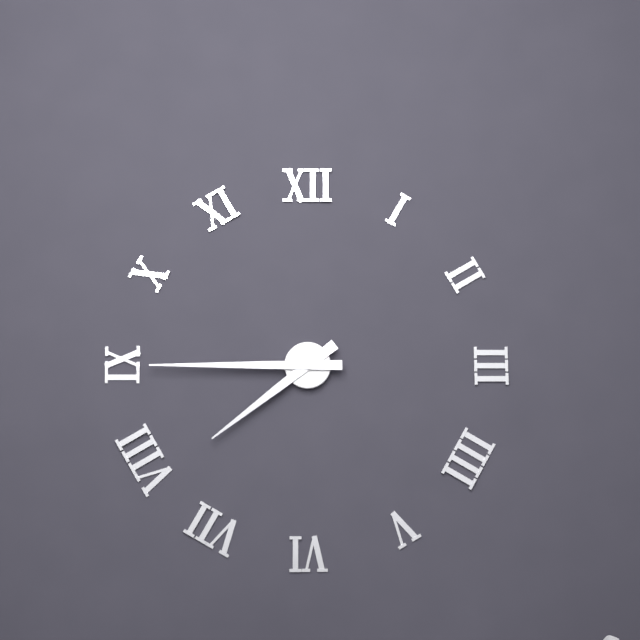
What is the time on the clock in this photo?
7:45
